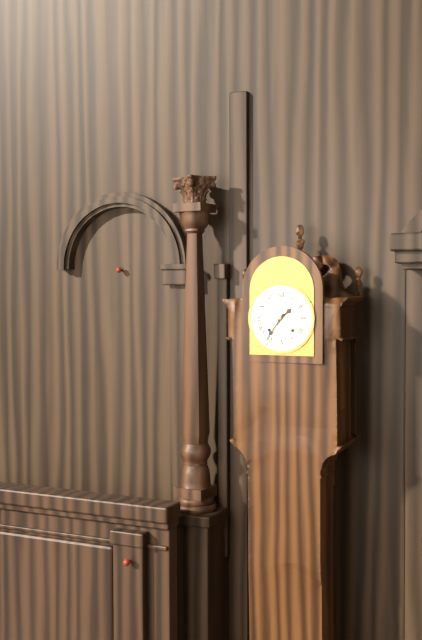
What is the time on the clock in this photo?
1:36
